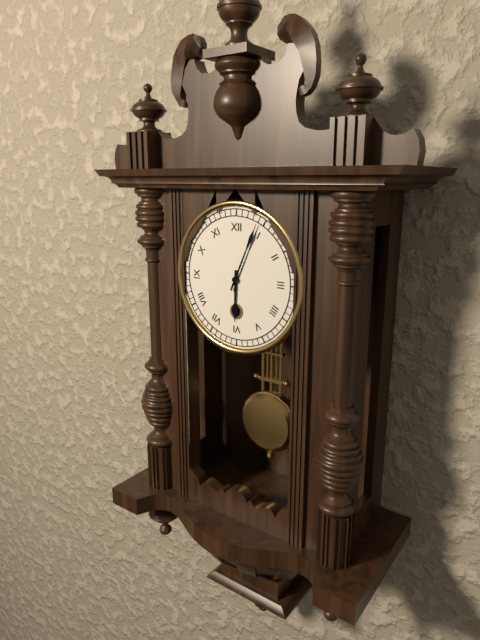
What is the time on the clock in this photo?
6:04
